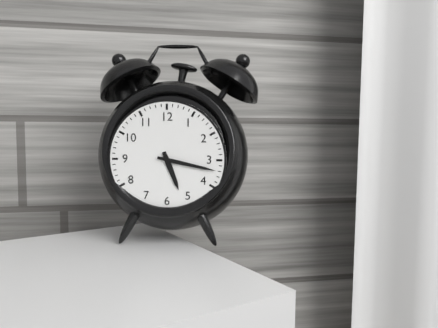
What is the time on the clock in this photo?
5:17
